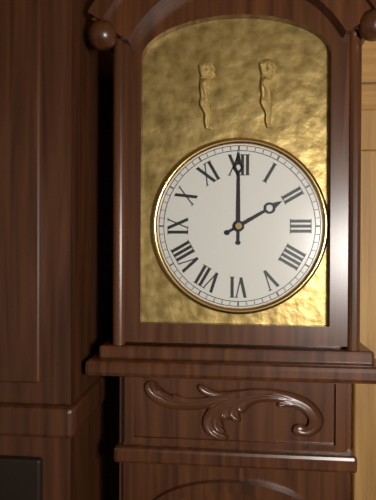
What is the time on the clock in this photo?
2:00
